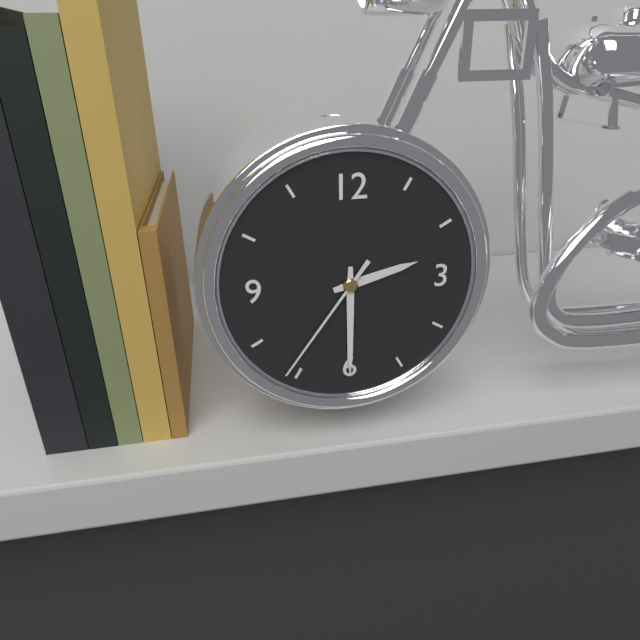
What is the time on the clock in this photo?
2:30:36
